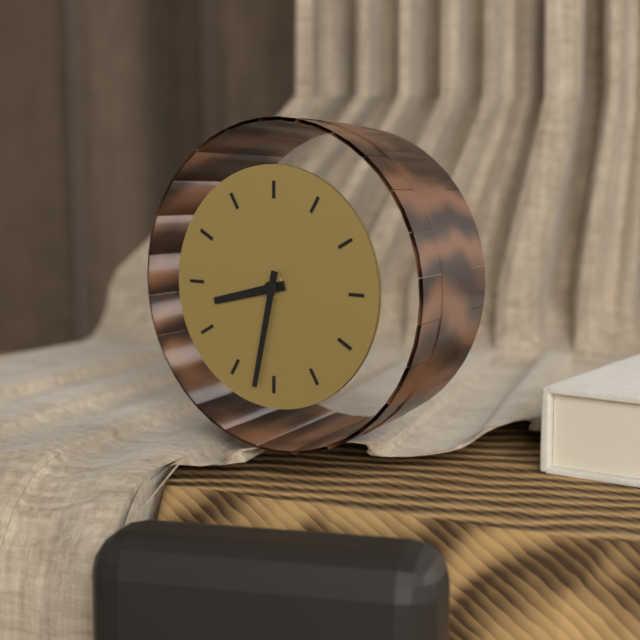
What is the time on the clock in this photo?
8:32
